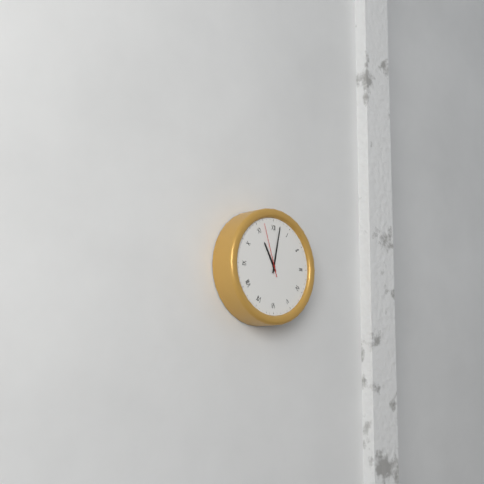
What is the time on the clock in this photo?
11:02:57
